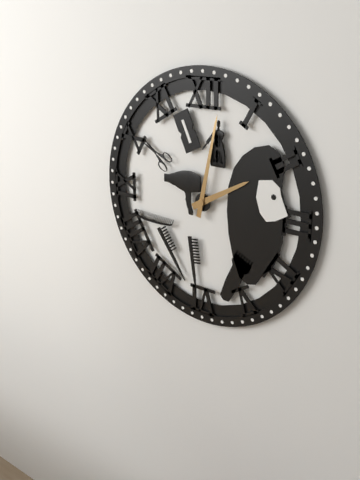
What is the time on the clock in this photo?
2:02
